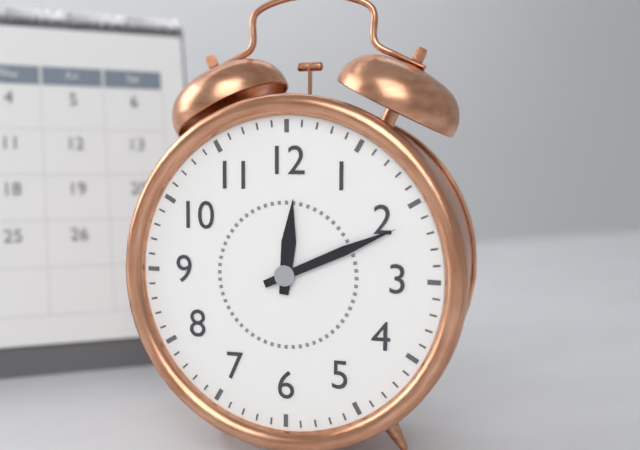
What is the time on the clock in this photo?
12:11
